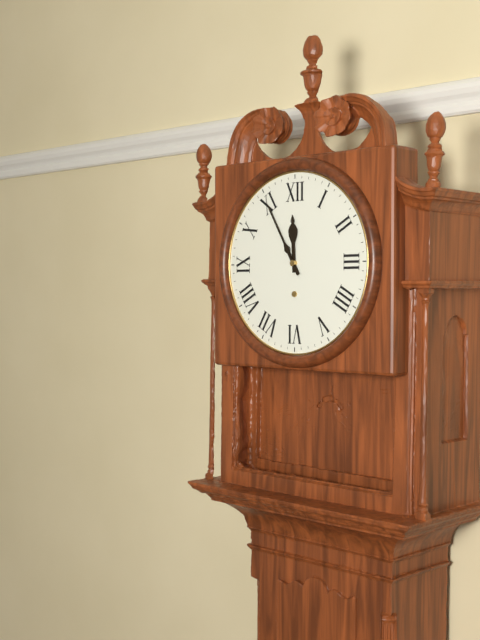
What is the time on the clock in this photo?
11:55
